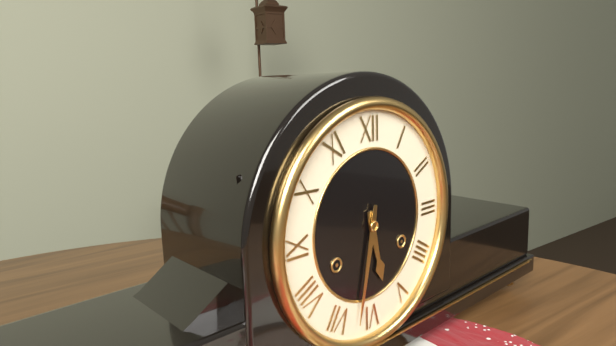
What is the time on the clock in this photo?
5:32
